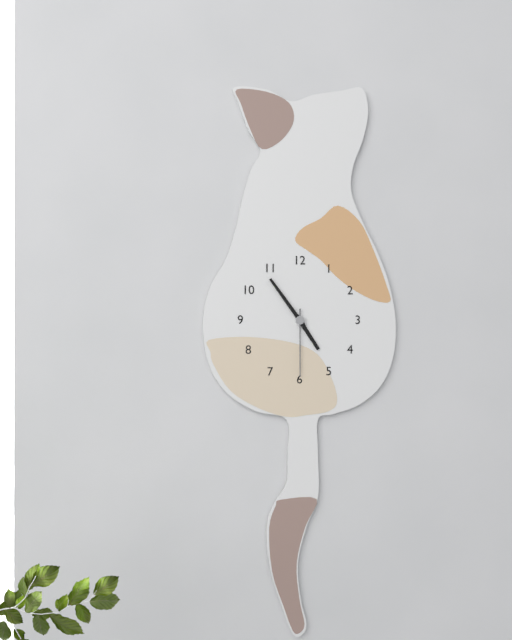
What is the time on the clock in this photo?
4:54:30
